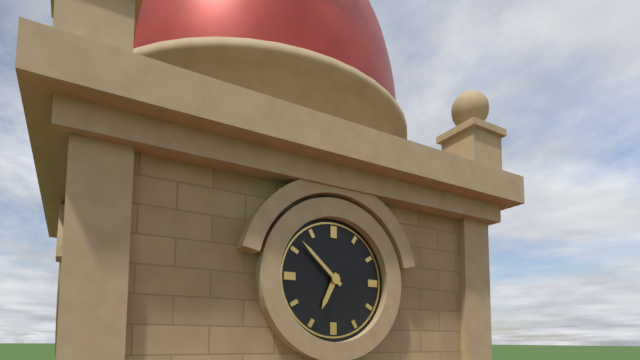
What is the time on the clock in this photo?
6:52
